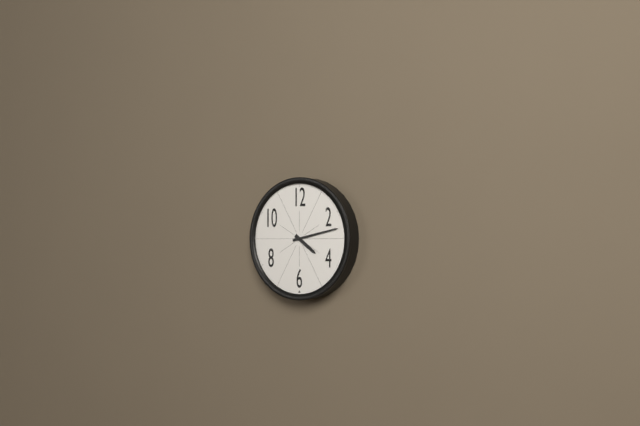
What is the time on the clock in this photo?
4:13
